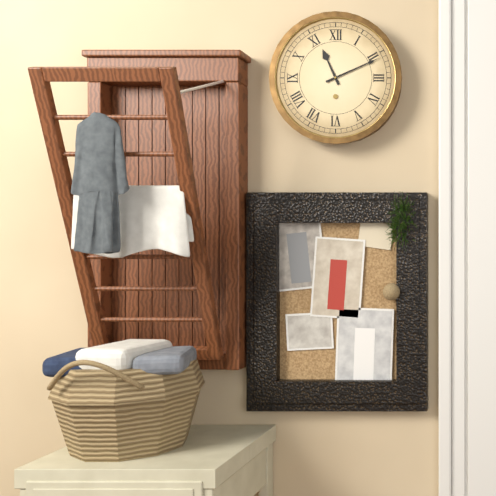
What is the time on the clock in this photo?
11:11
